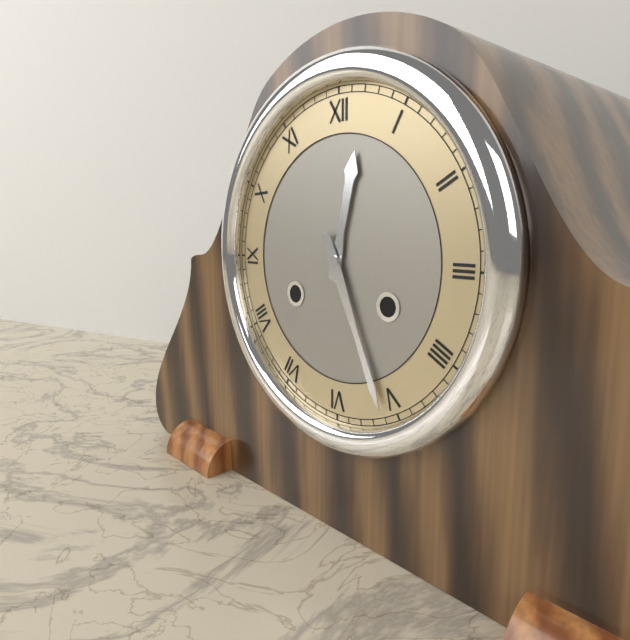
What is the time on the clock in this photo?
12:26
